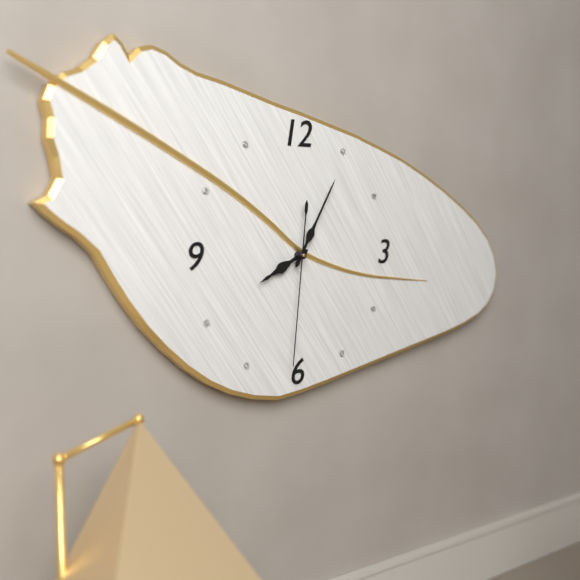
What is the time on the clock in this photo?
8:05:31
